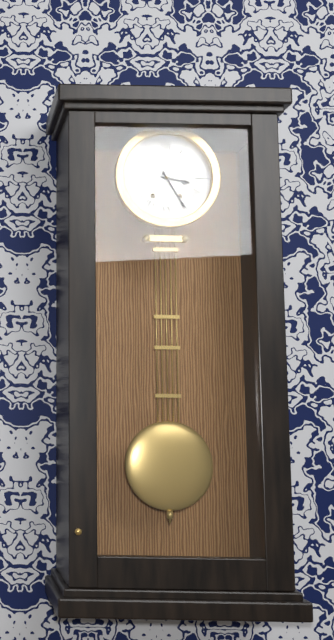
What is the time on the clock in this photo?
3:25
